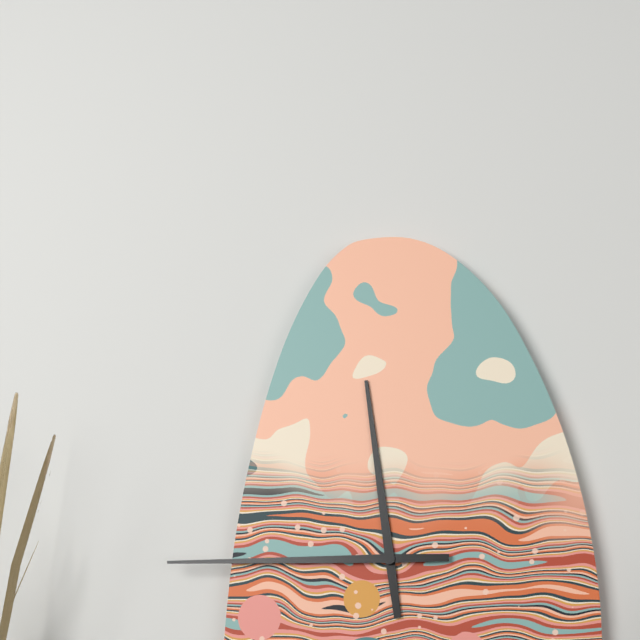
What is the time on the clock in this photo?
11:45
